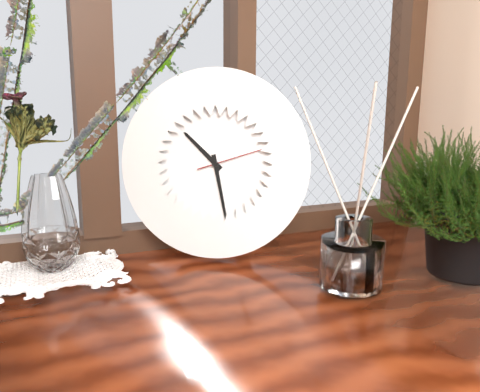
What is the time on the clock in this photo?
10:28
